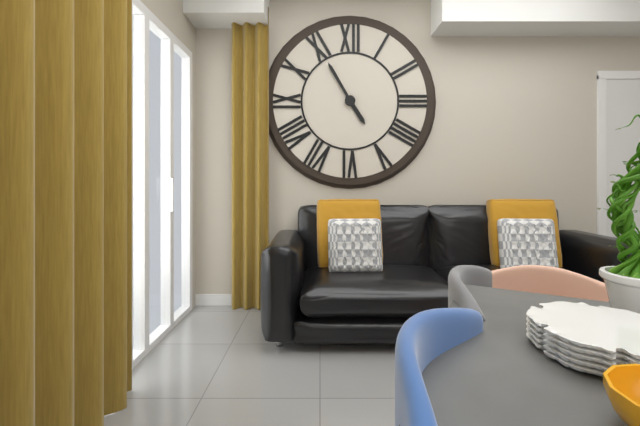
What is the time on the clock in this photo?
4:55
